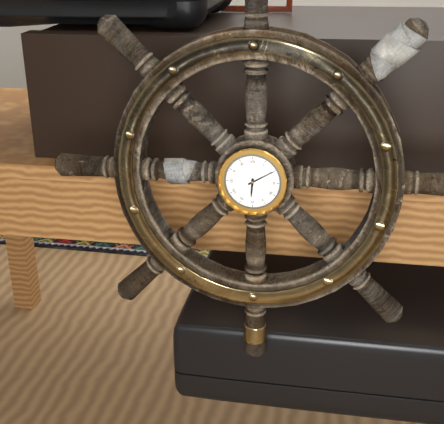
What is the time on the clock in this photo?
6:10
